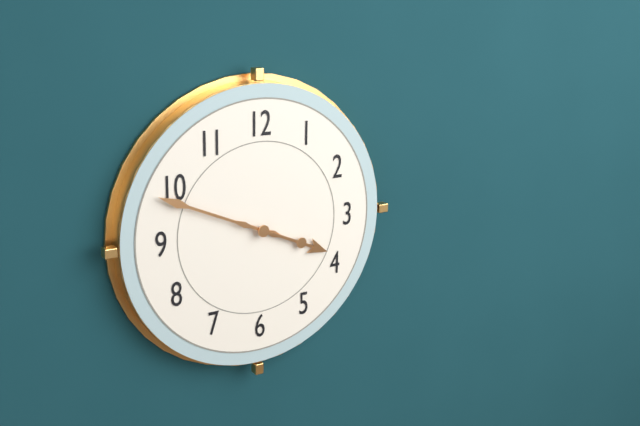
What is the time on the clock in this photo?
3:49
